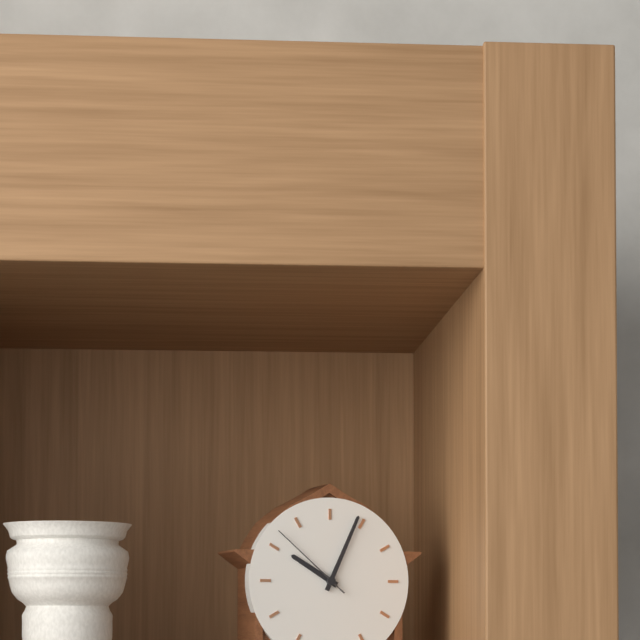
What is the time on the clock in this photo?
10:04:52
